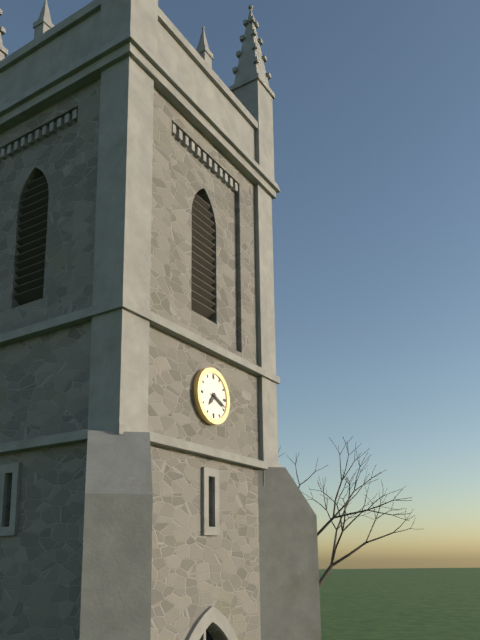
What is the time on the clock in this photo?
7:19
